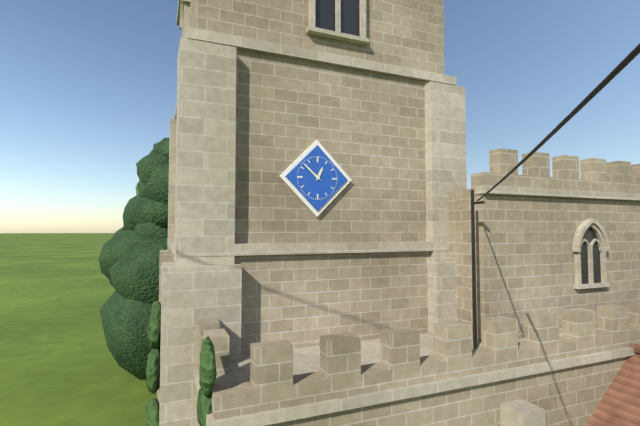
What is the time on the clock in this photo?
12:52
